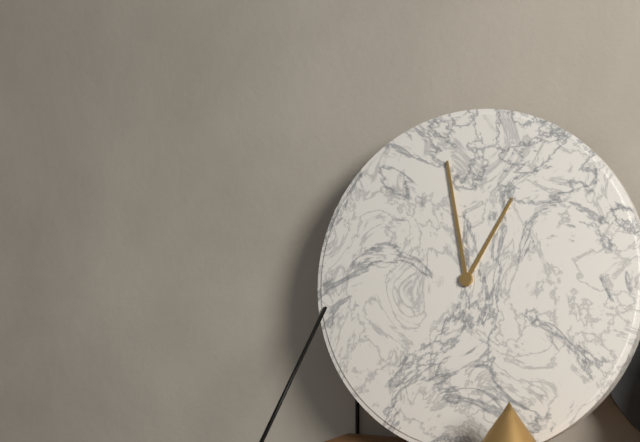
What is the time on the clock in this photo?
12:58
